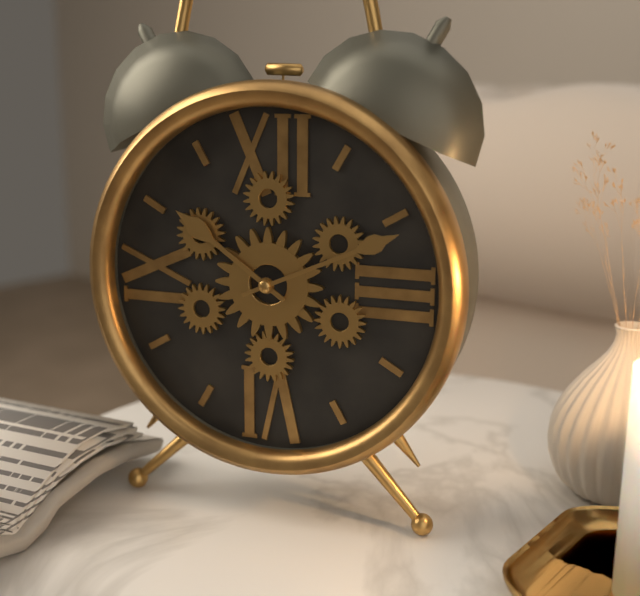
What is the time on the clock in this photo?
10:11
